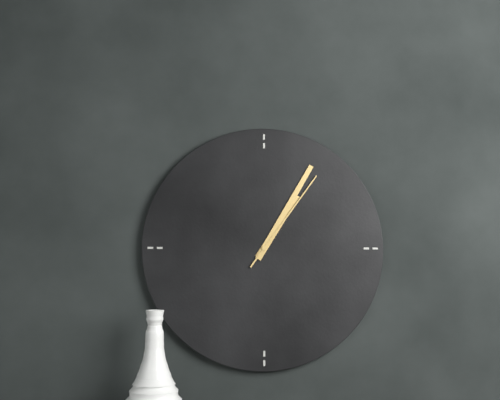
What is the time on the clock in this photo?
1:05:06
